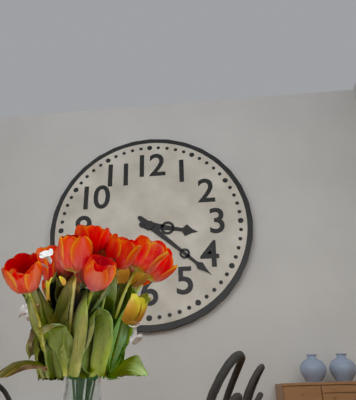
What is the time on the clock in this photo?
3:22
